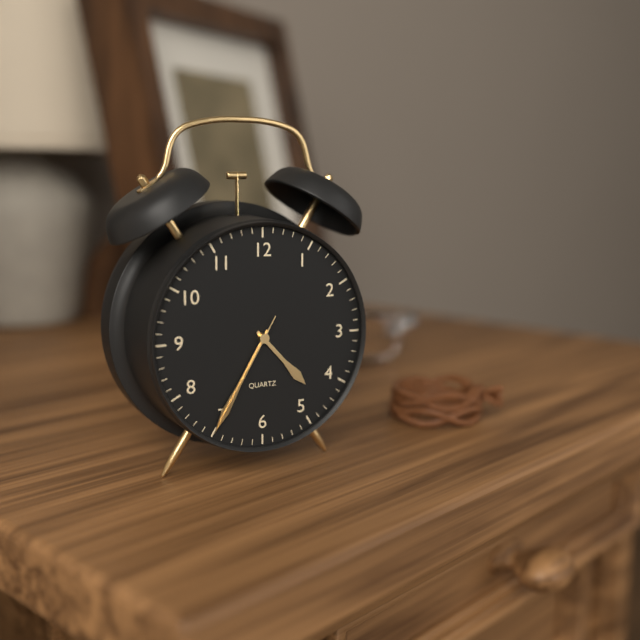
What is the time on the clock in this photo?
4:35:35
